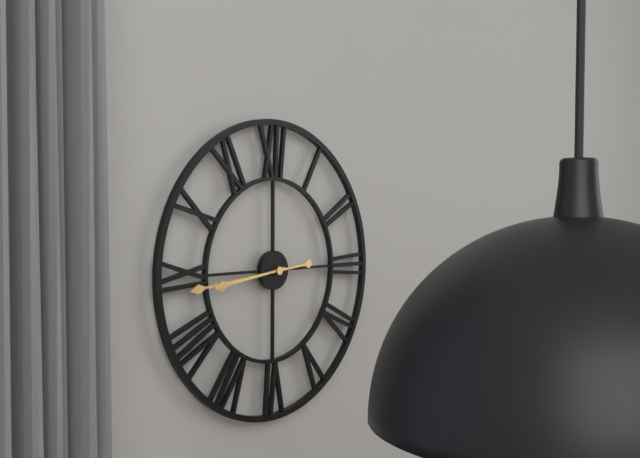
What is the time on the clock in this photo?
8:44
